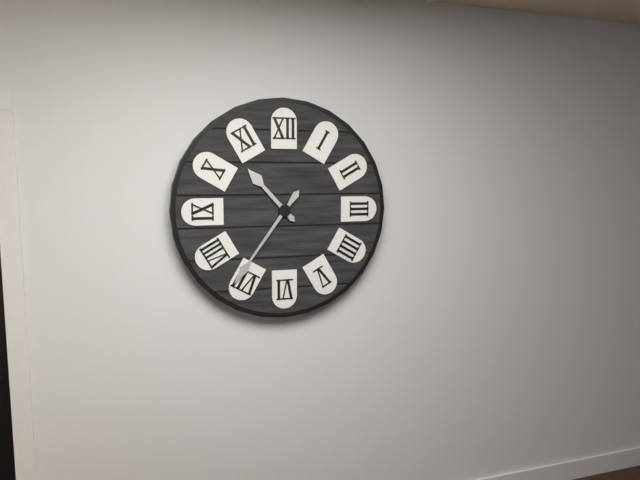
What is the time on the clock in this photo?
10:36
